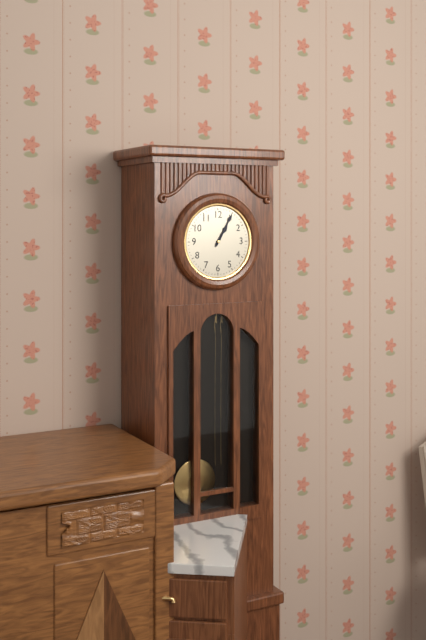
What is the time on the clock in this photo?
1:05
